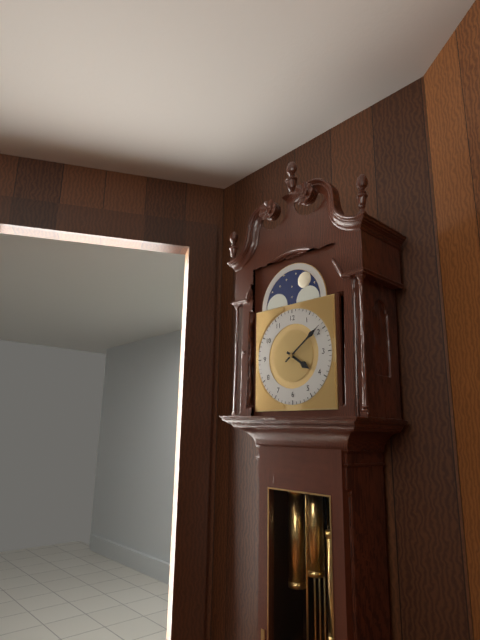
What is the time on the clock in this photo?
4:09
